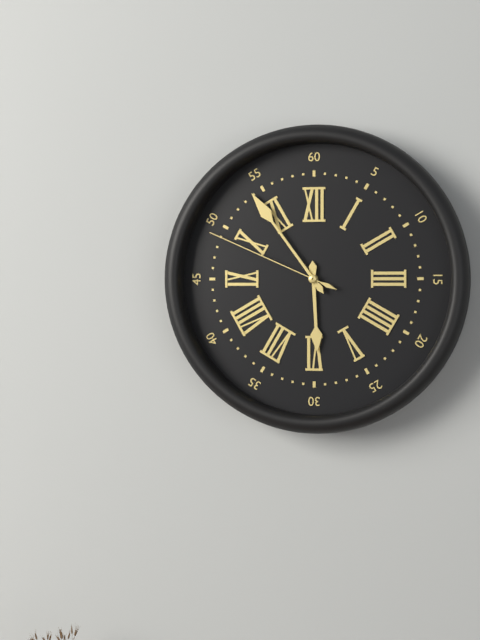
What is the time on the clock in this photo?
5:54:49
